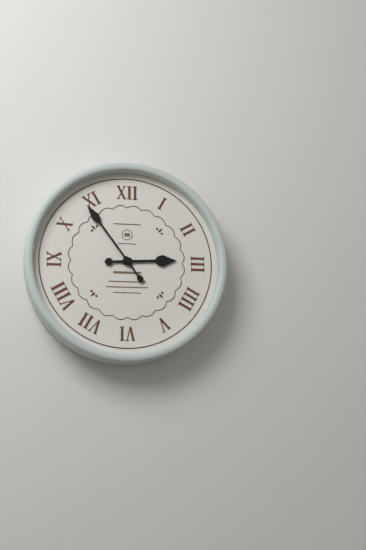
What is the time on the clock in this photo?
2:54
